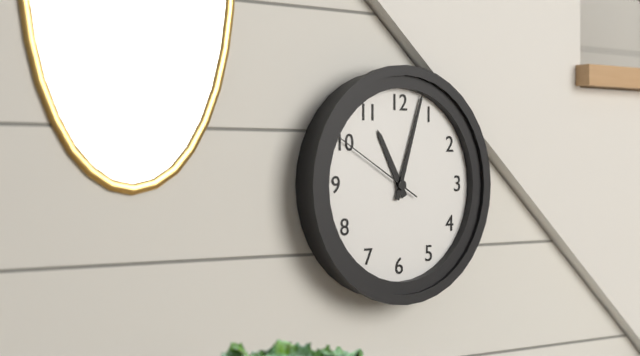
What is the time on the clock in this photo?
11:03:50
